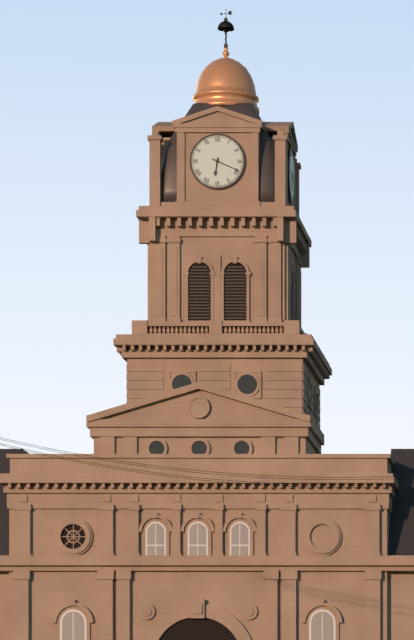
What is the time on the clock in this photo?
6:19
